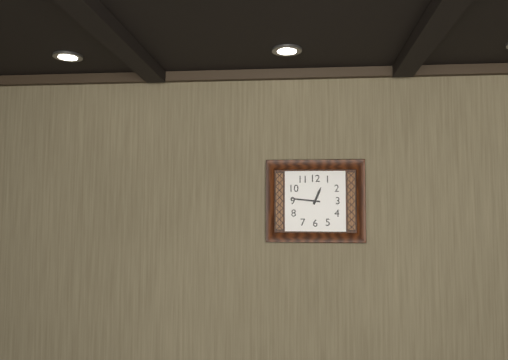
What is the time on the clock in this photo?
12:46
